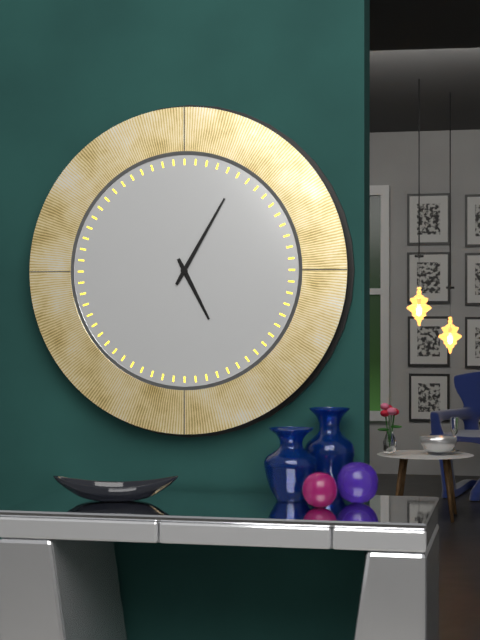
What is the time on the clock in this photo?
5:05
